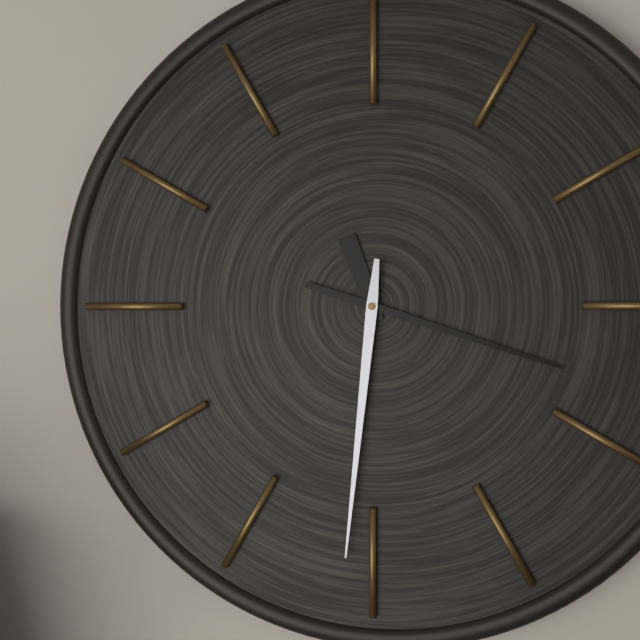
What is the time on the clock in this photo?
11:18:31
